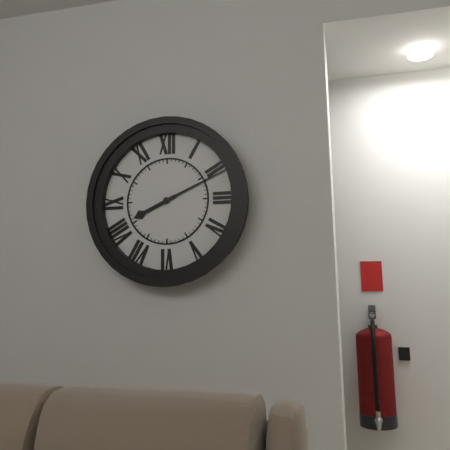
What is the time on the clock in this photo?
8:11
